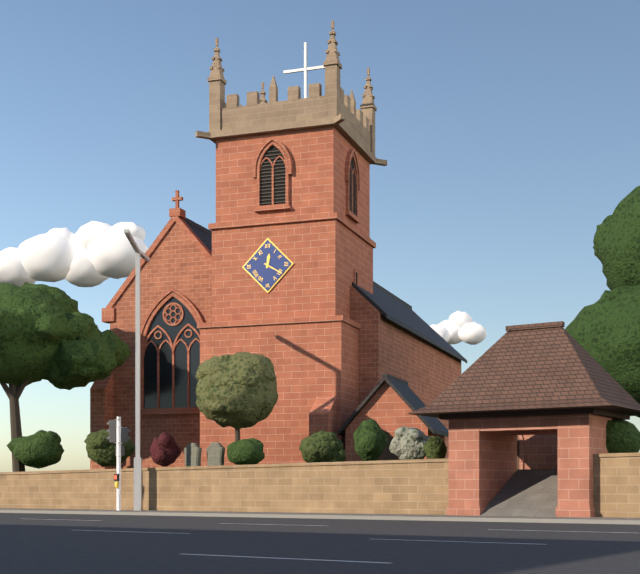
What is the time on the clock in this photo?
12:20
